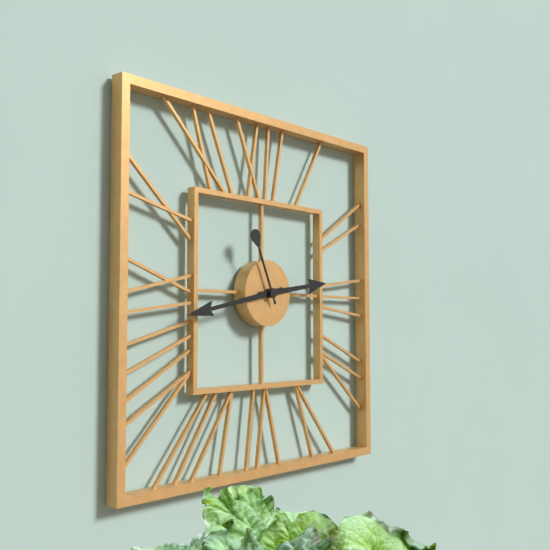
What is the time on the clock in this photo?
2:43:56
